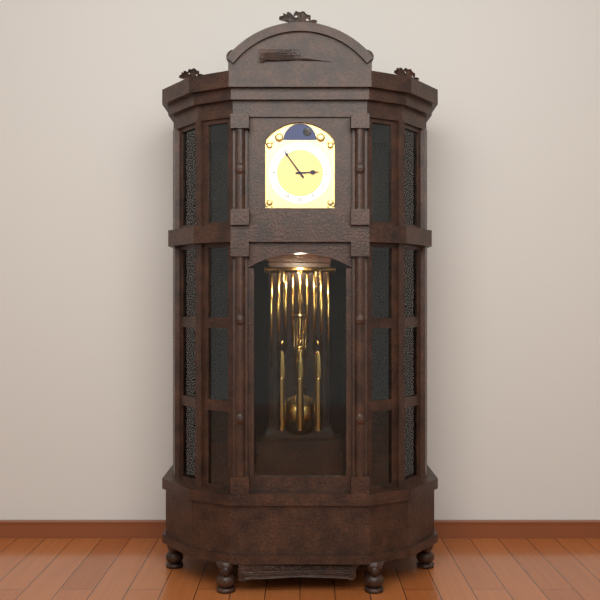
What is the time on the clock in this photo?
2:54
